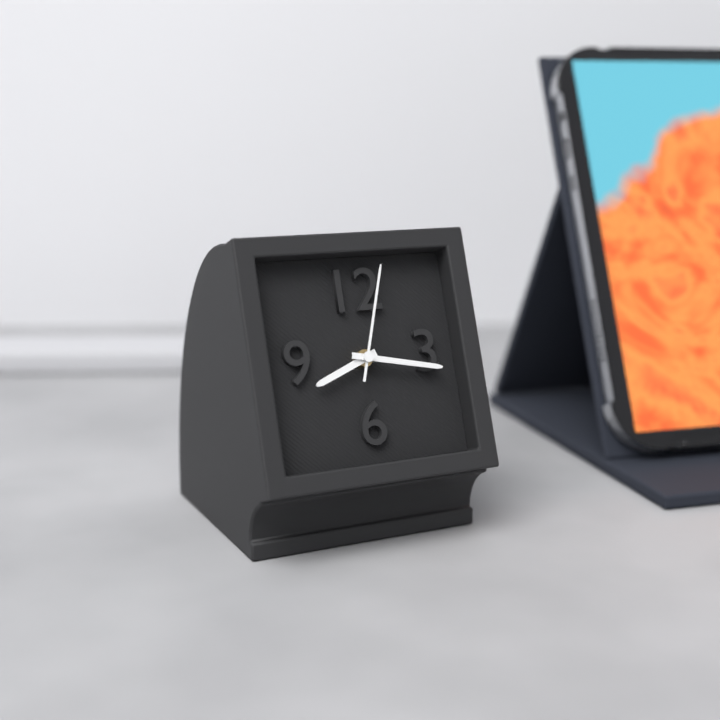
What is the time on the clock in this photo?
8:17:03
